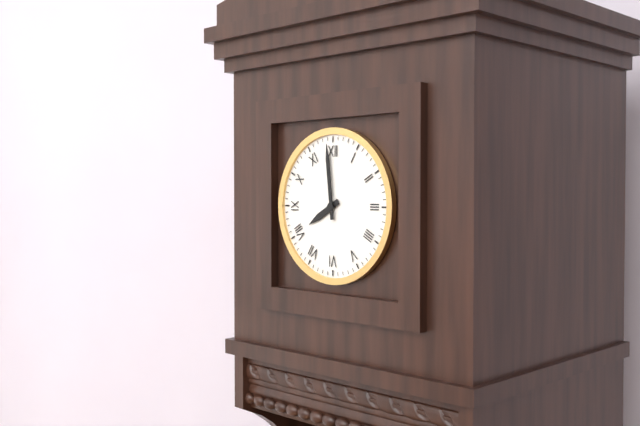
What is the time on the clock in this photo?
7:59
